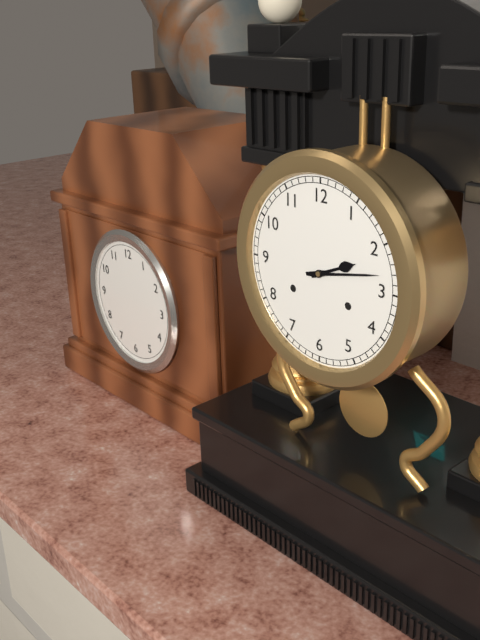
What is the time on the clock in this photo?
2:13
